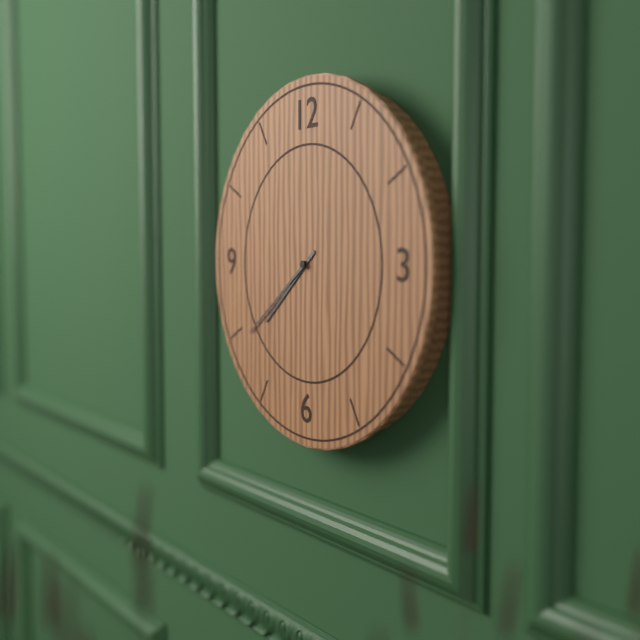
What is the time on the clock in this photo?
7:39
